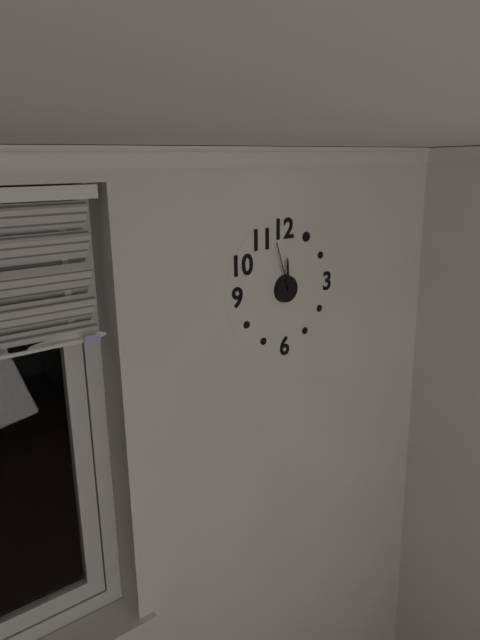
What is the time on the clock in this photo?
11:57
